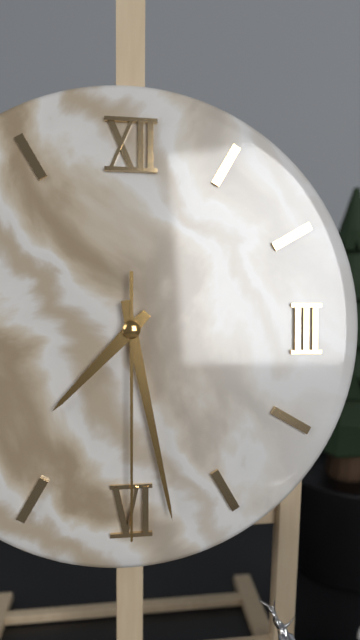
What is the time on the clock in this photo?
7:28:30
